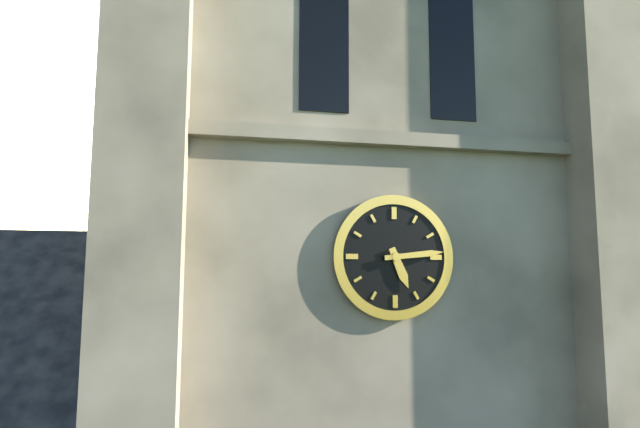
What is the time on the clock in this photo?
5:14
